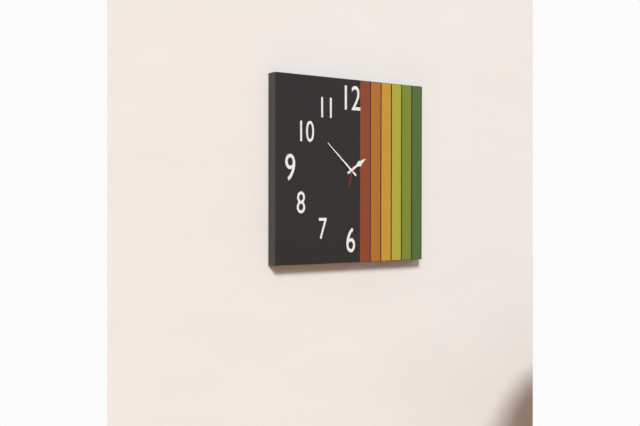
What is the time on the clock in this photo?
1:52
